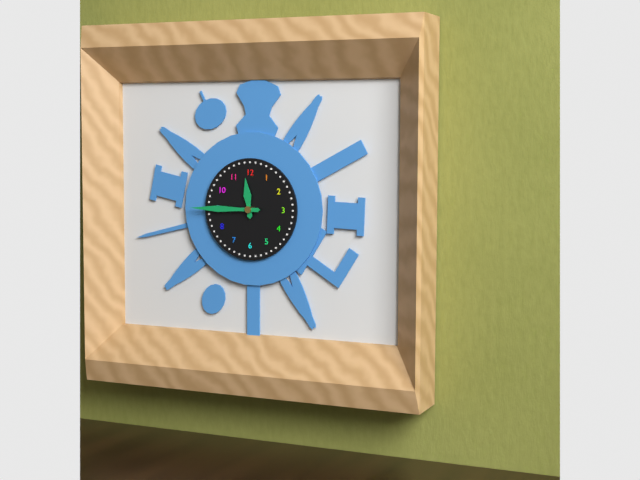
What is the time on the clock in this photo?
11:45
